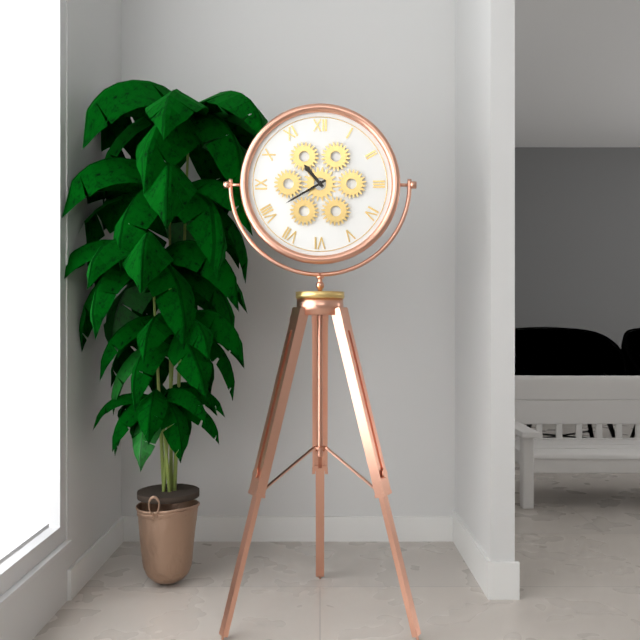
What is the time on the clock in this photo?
10:40
